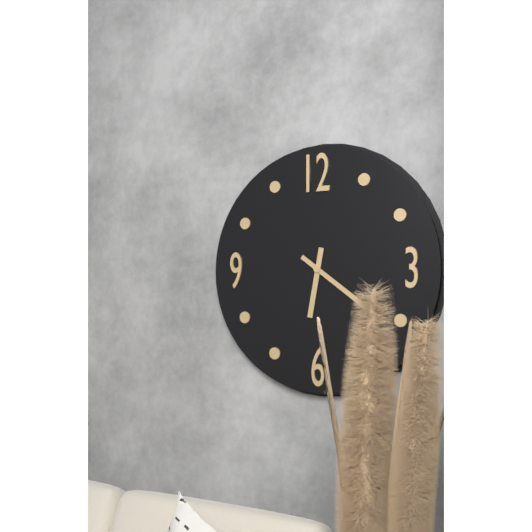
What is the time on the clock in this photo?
6:21
